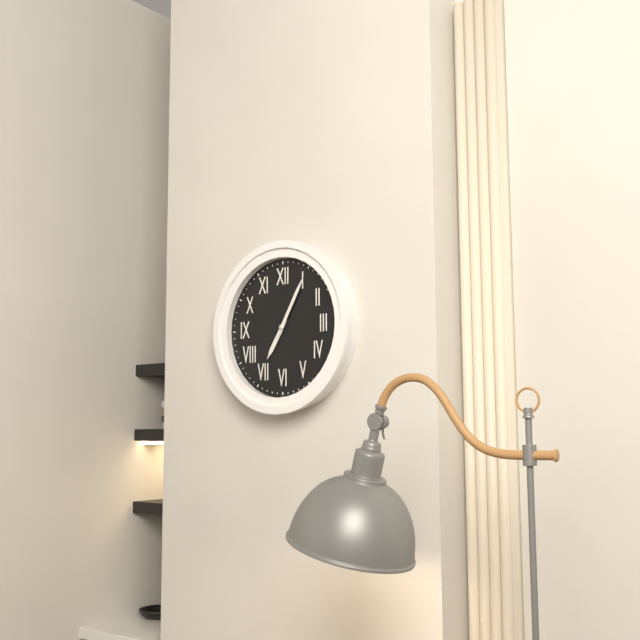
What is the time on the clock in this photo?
7:05
